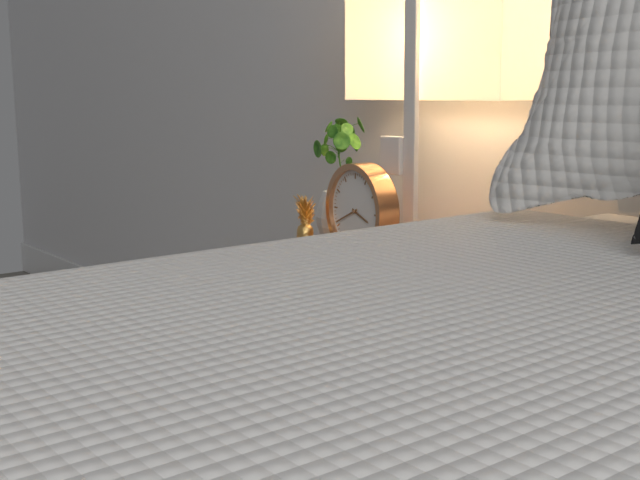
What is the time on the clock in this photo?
3:41
